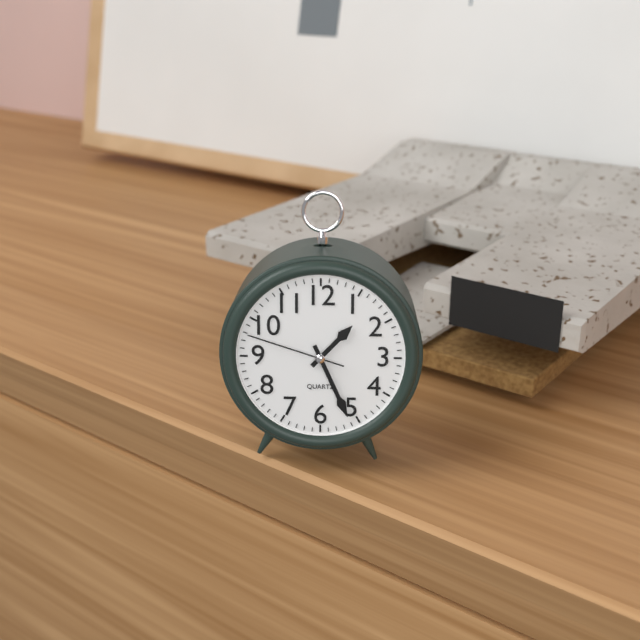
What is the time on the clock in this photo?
1:26:48
